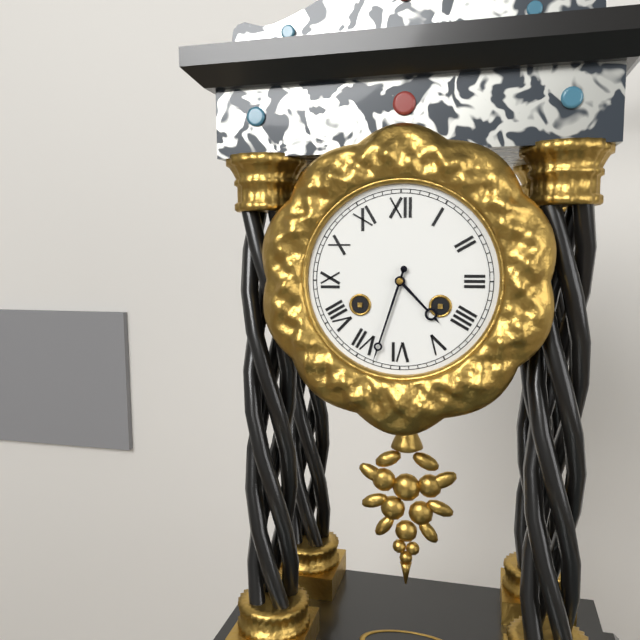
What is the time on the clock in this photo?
4:33
